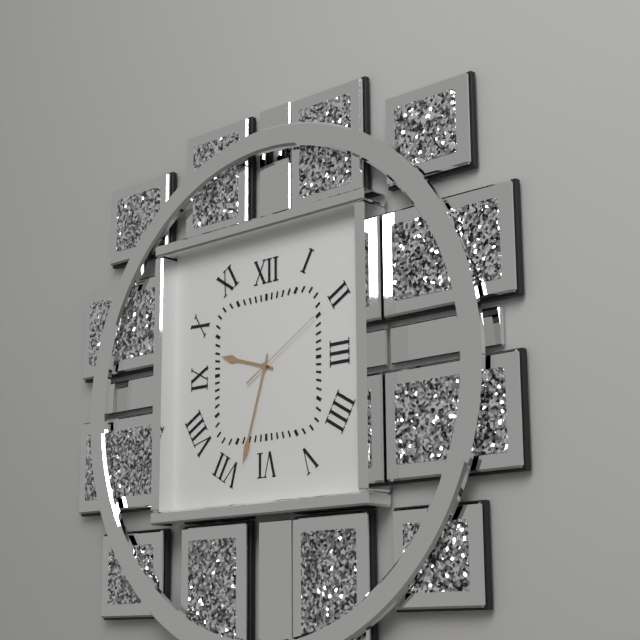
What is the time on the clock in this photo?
9:33:10
